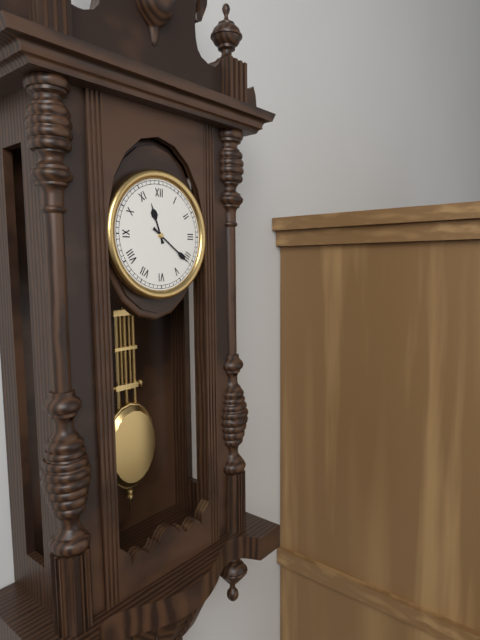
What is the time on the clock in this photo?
11:21
